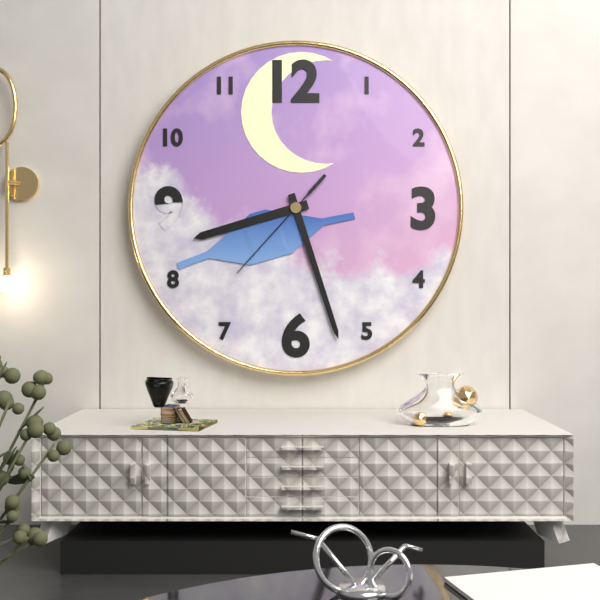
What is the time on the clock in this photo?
8:27:37
